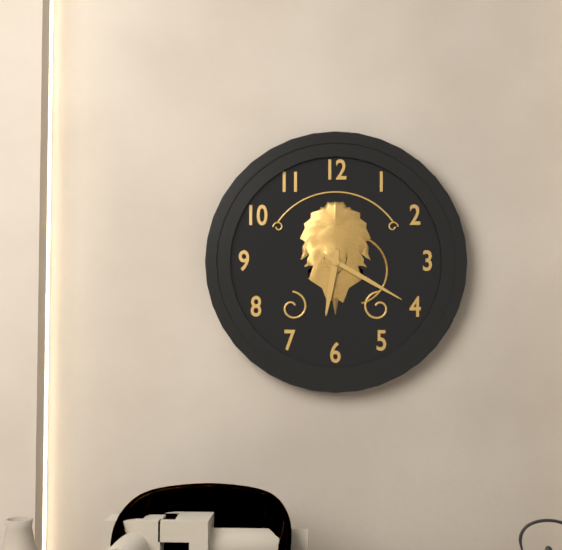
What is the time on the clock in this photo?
6:20
